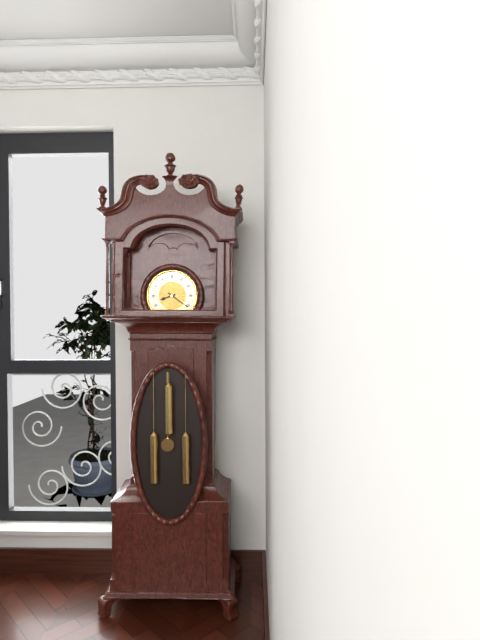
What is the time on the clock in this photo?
8:21
